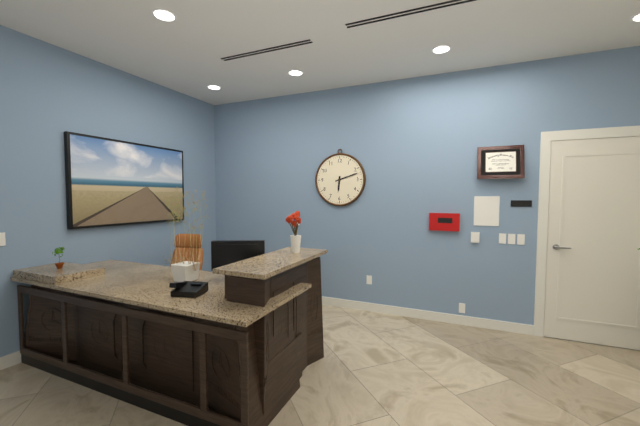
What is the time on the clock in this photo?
6:12
